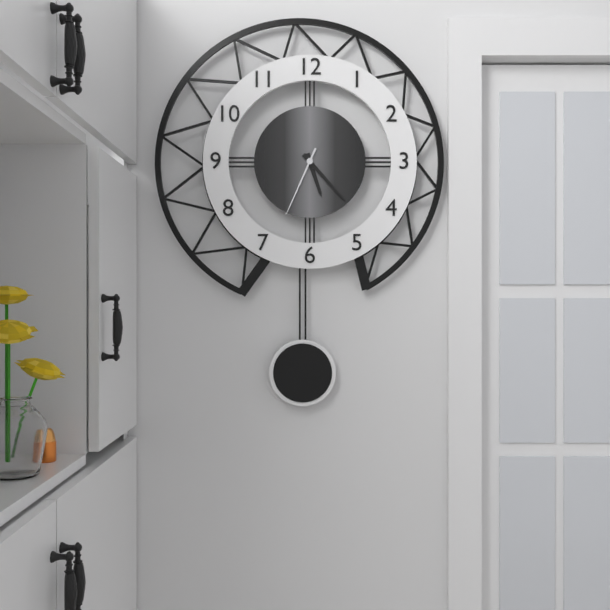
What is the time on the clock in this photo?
5:23:34
